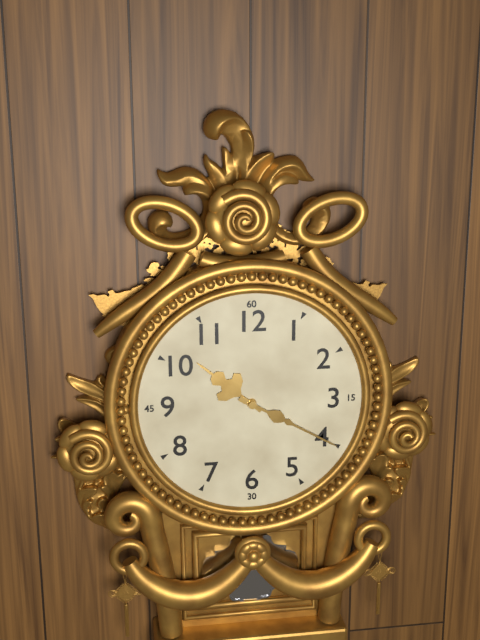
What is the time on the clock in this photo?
10:20
